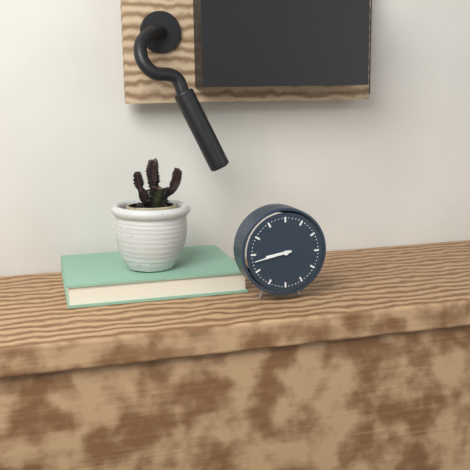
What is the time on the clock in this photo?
8:43
